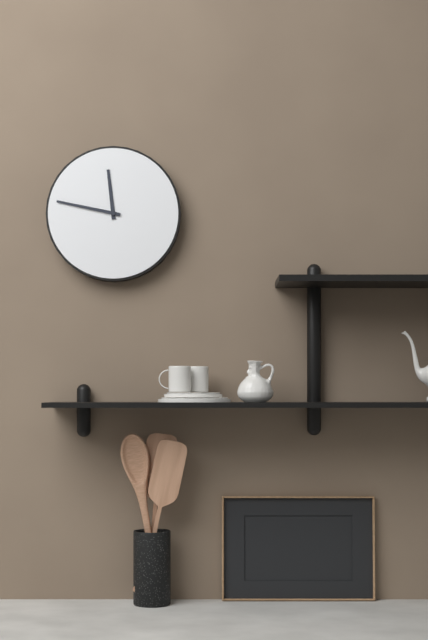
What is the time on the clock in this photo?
11:47
